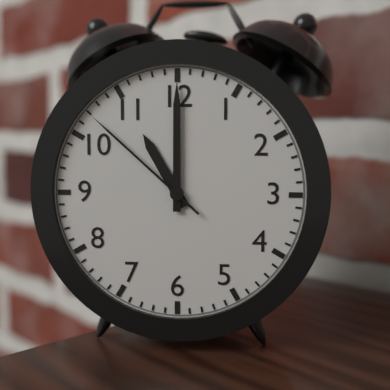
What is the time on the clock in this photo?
11:00:52
